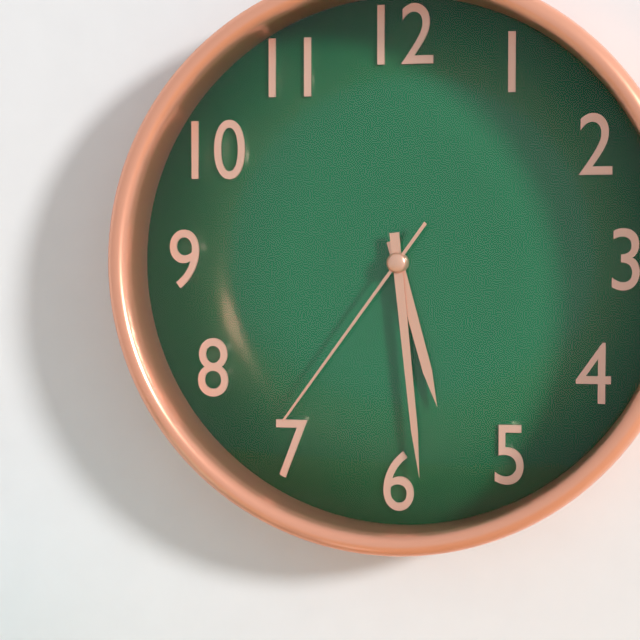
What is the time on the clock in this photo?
5:29:36
